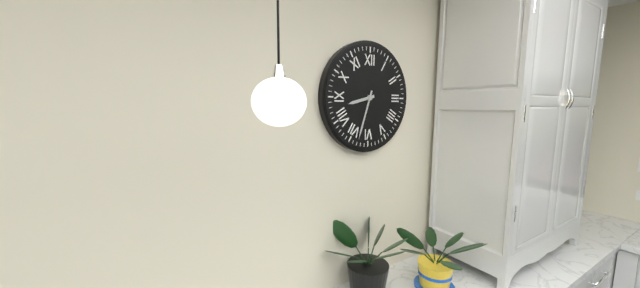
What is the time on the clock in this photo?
8:33
